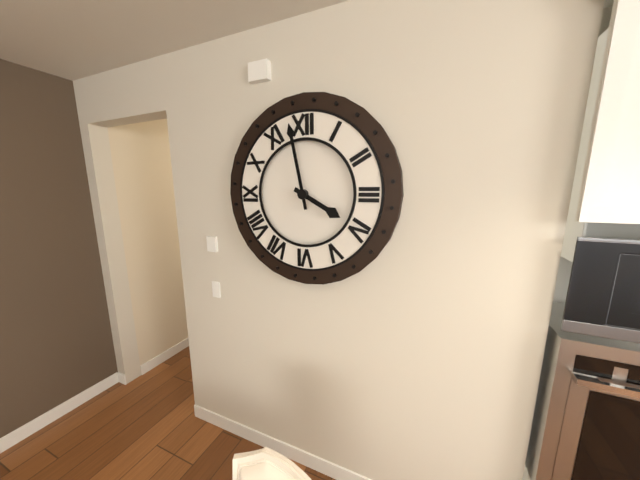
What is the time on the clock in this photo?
3:58
